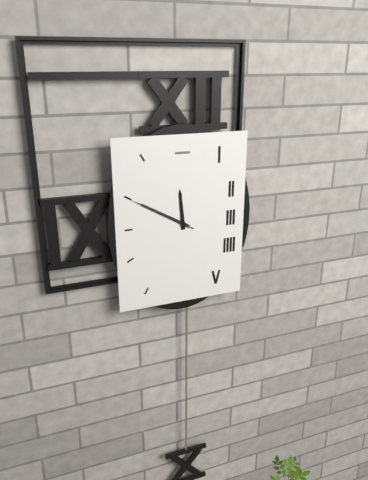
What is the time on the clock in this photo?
11:50:50
